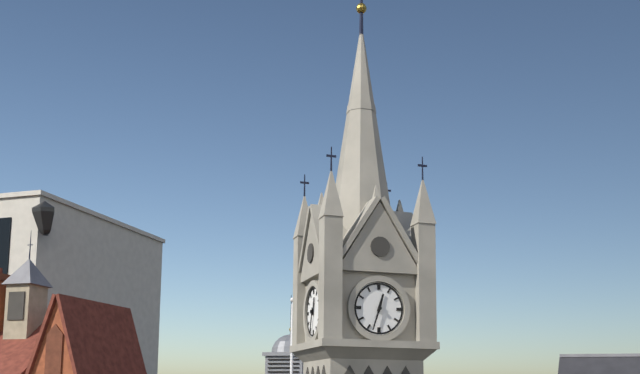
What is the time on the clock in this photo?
12:33
